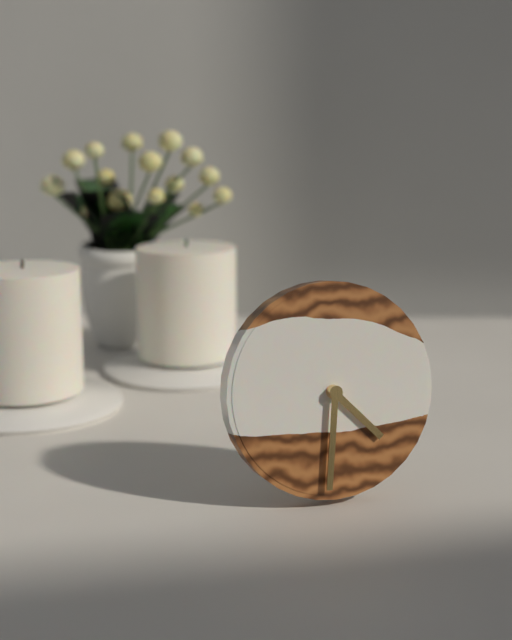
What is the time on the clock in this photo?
4:31
